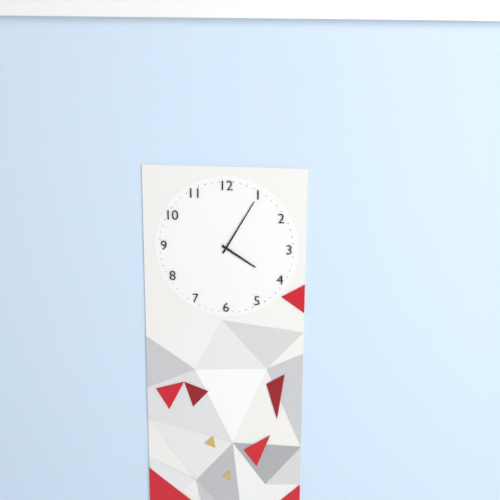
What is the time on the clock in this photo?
4:05
